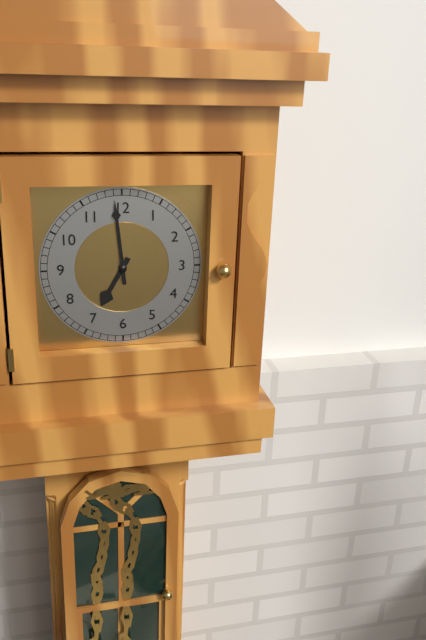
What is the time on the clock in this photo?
6:59
